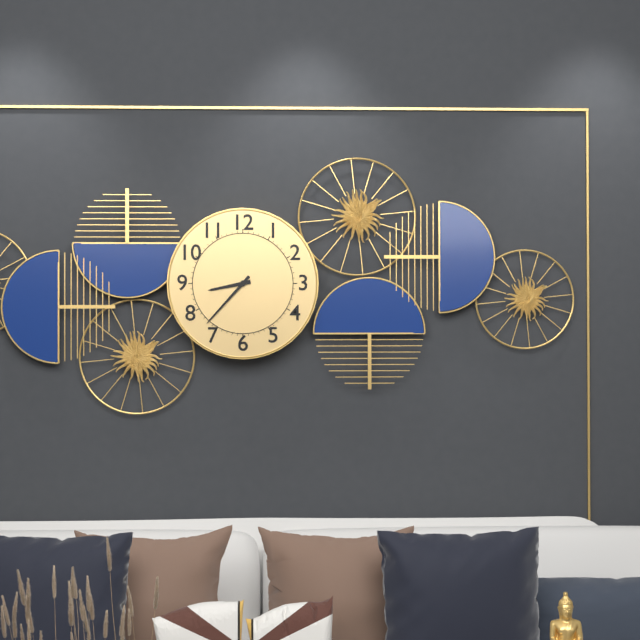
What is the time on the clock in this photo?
8:37
